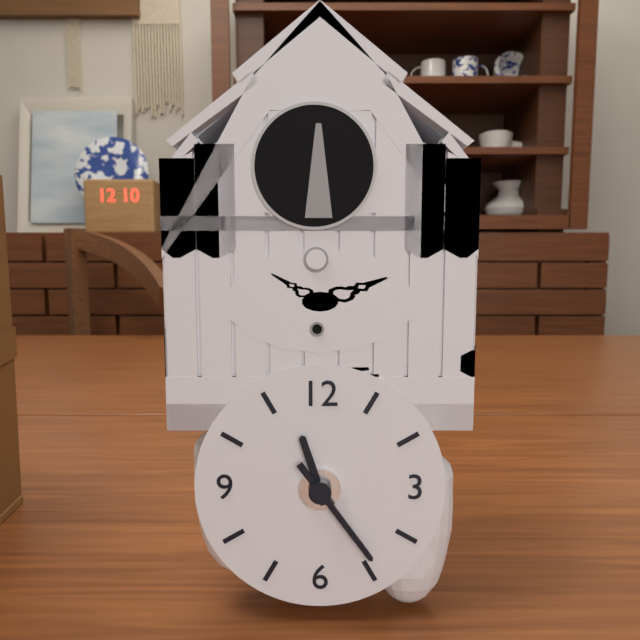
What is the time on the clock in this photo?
11:24
